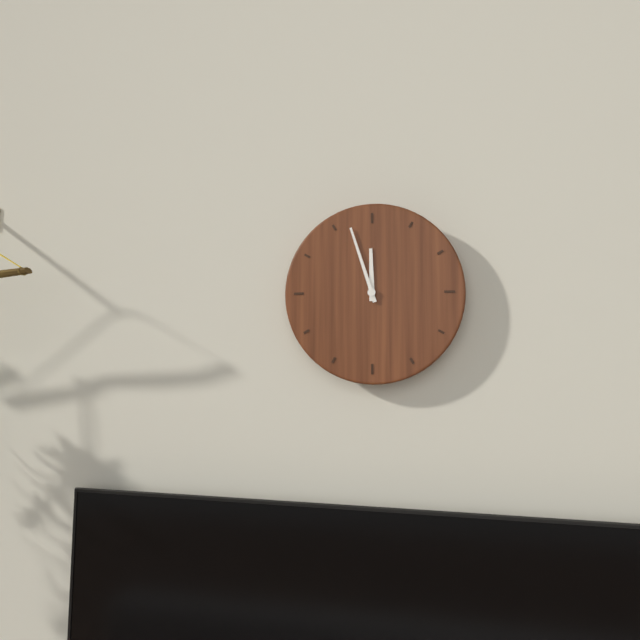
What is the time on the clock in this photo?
11:57
